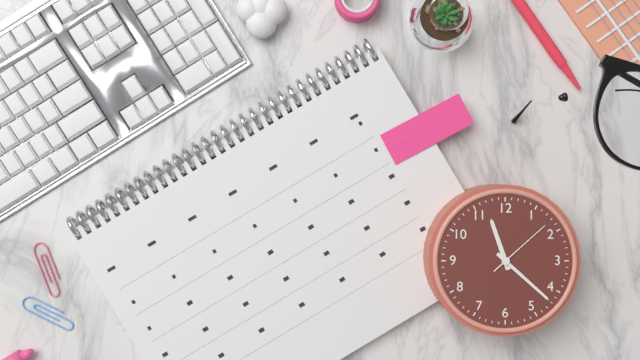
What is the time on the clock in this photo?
11:22:08
